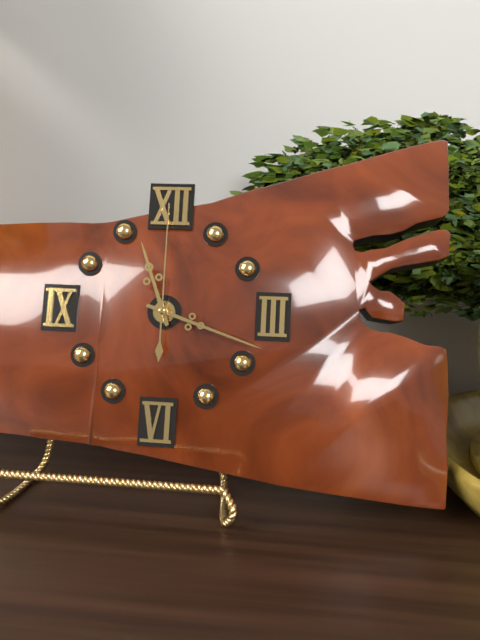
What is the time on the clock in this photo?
11:18:00
